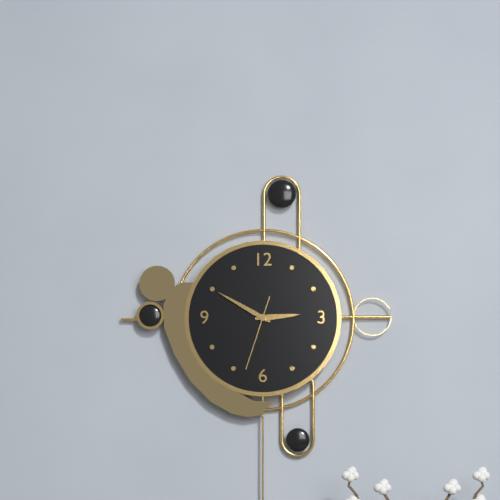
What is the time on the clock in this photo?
2:50:33
